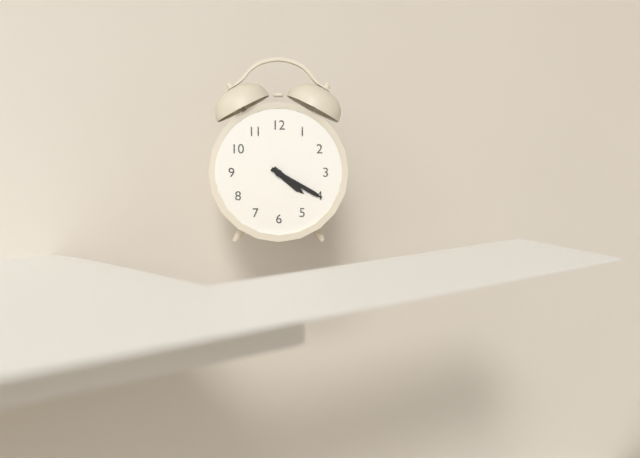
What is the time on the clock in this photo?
4:20
